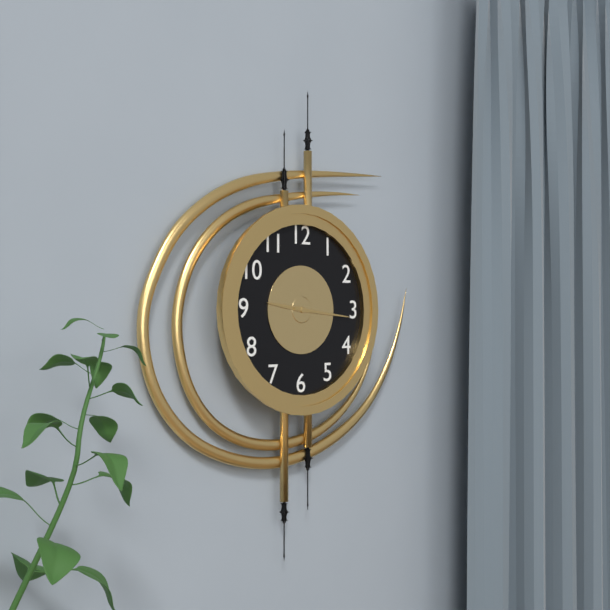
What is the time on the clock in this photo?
9:16
